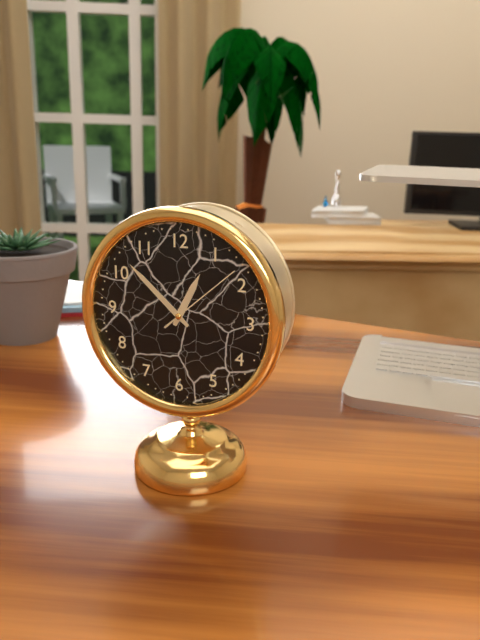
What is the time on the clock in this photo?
12:52:08
